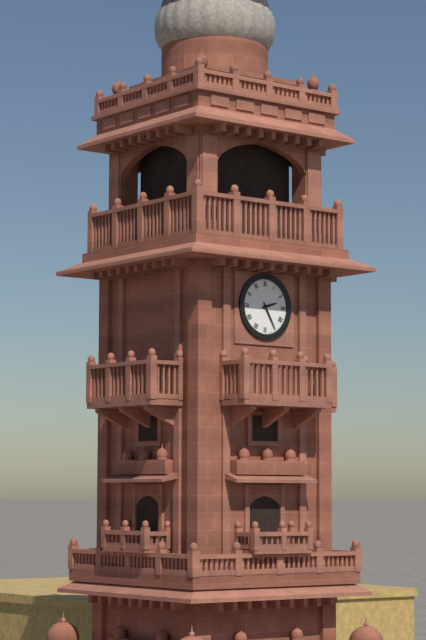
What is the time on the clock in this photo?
2:25
